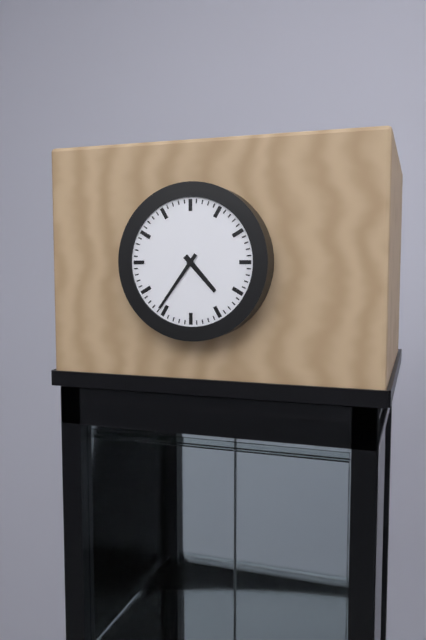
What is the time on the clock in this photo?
4:36
